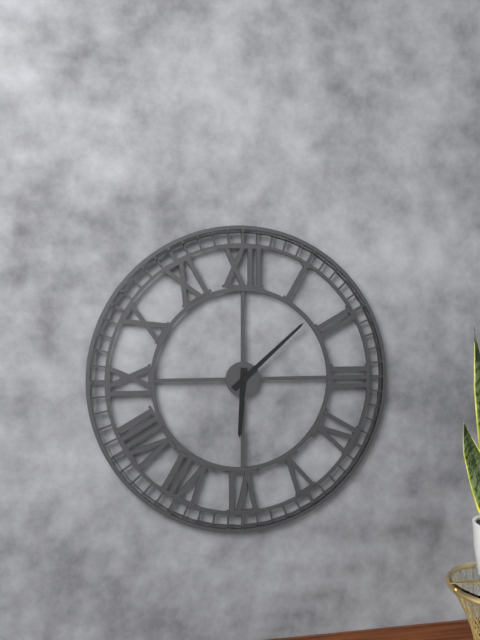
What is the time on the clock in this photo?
6:08
